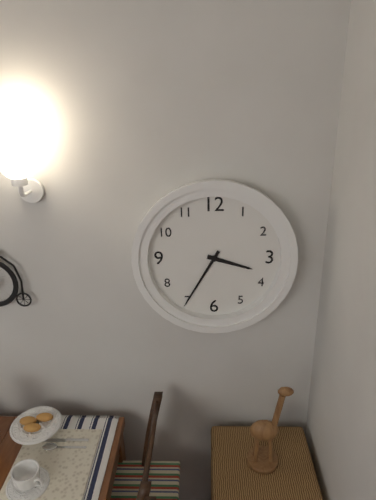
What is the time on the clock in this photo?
3:35
